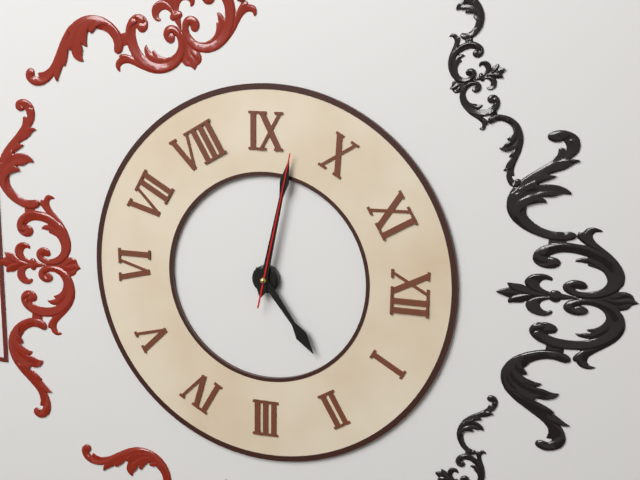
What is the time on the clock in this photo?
1:47:47
